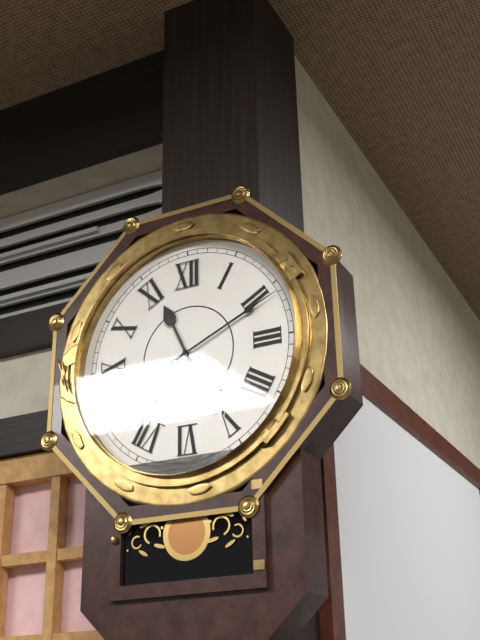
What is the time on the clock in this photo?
11:11
